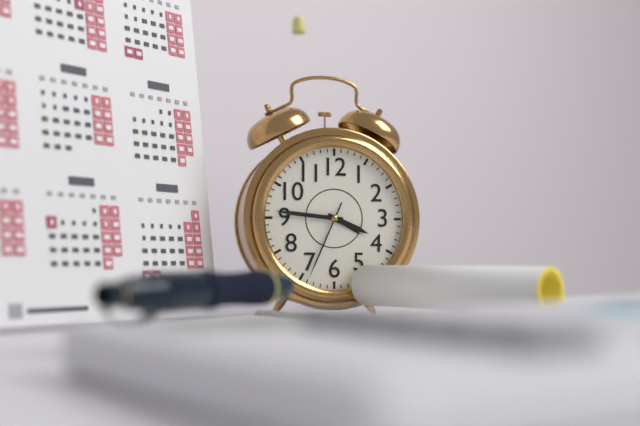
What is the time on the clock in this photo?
3:46:34
